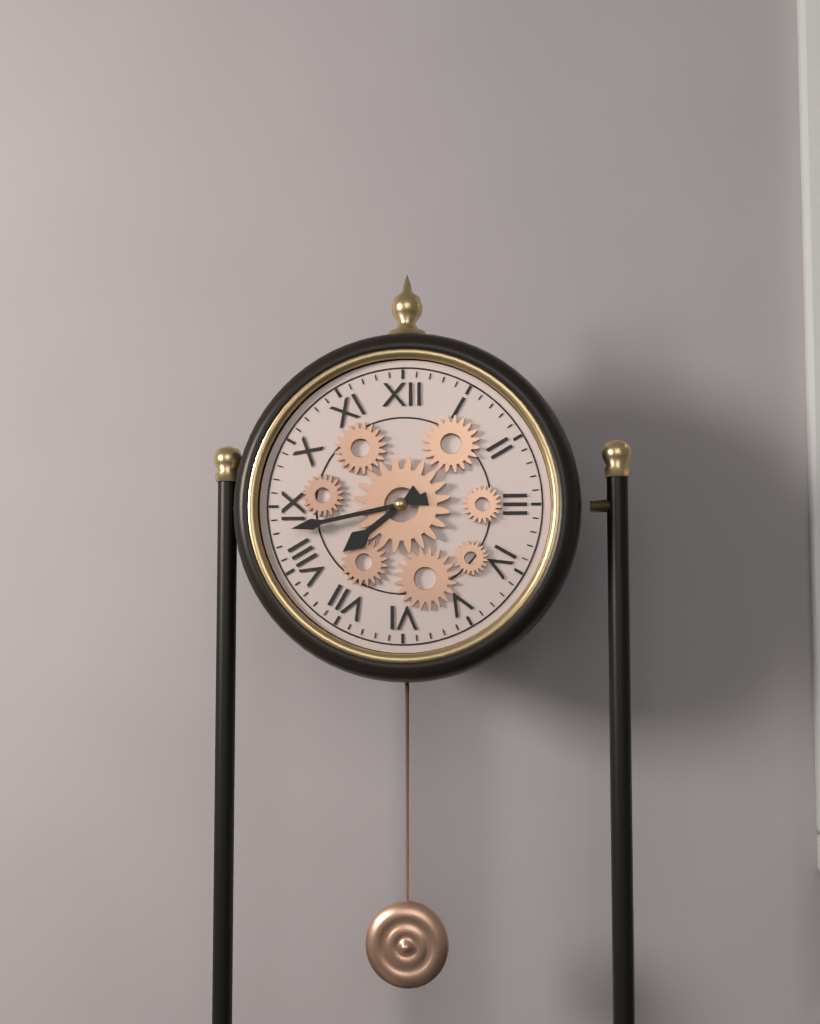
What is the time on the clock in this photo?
7:43
